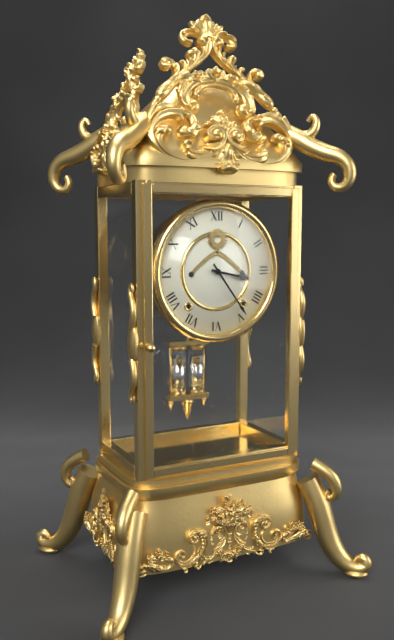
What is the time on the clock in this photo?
3:24
